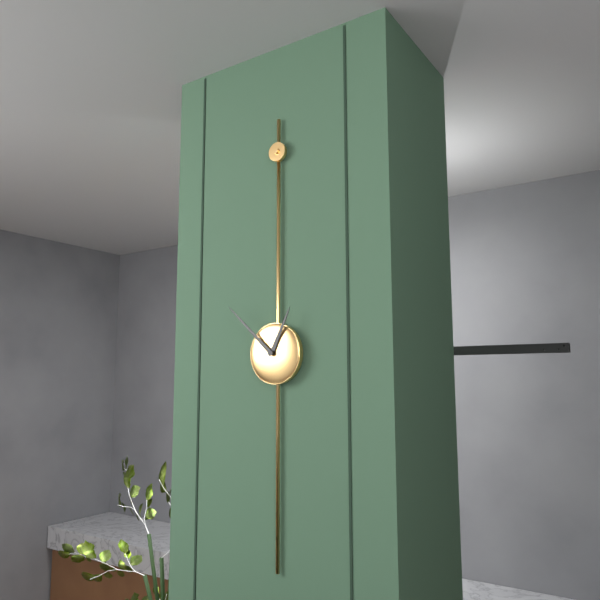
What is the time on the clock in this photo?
12:52
